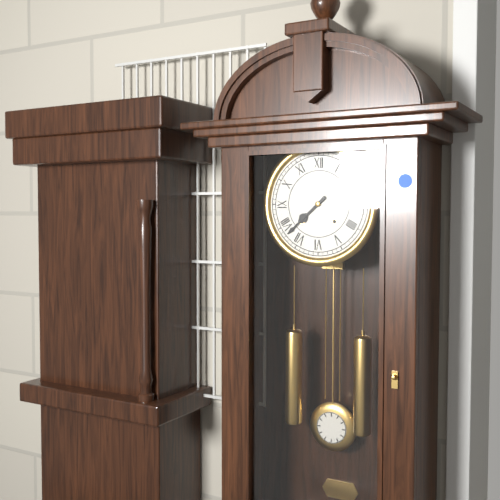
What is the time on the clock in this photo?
7:38
